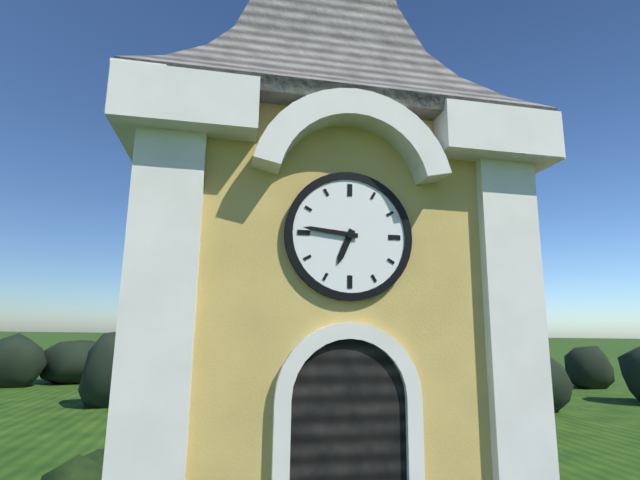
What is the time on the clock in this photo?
6:46
